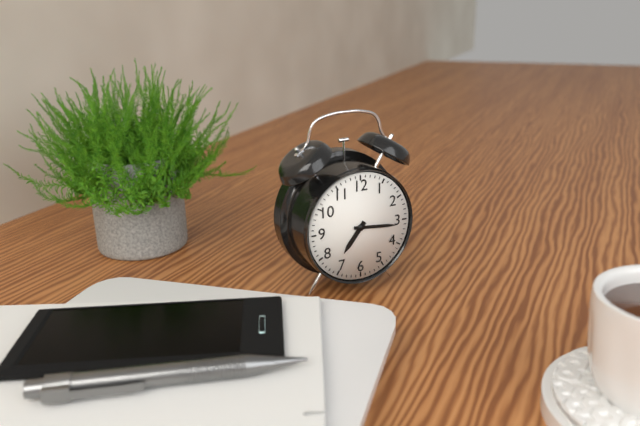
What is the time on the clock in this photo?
7:16
